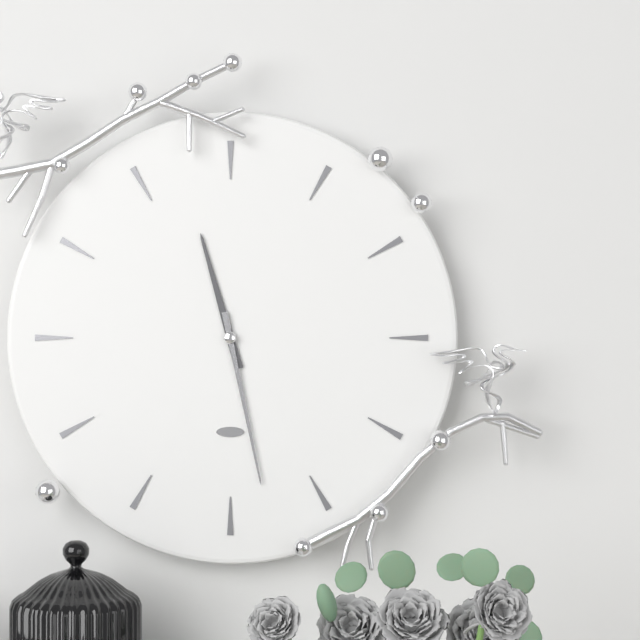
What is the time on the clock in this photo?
11:28
